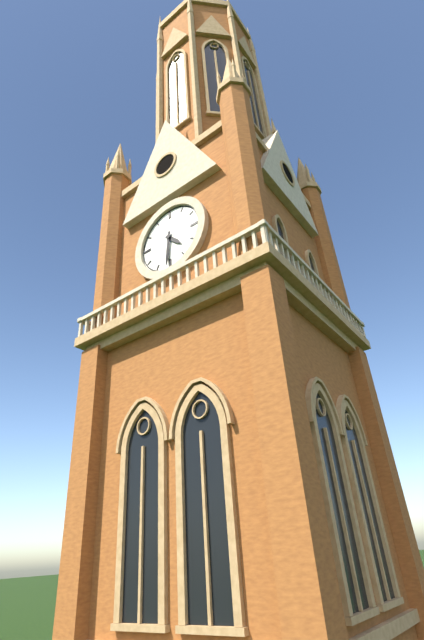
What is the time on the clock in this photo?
4:31
